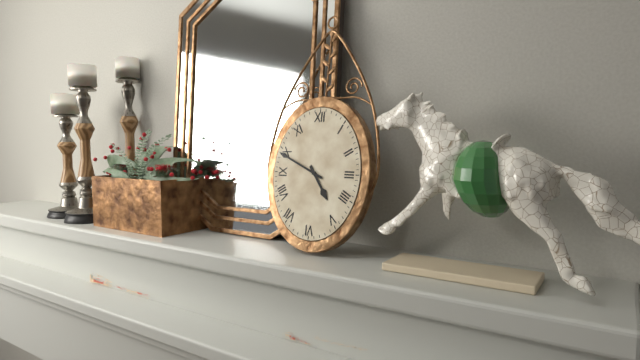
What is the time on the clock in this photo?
4:49
